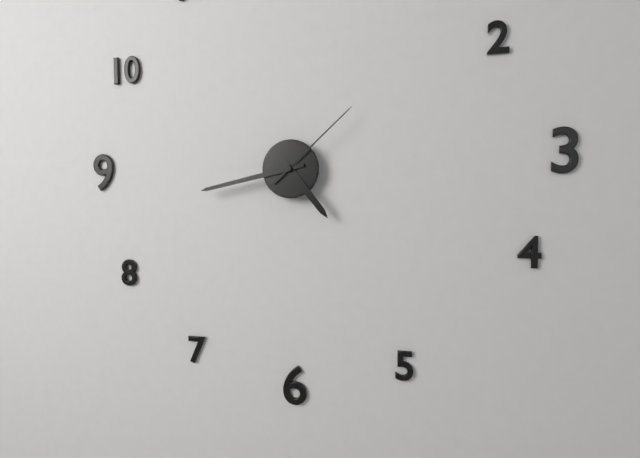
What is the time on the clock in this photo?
4:43:08
